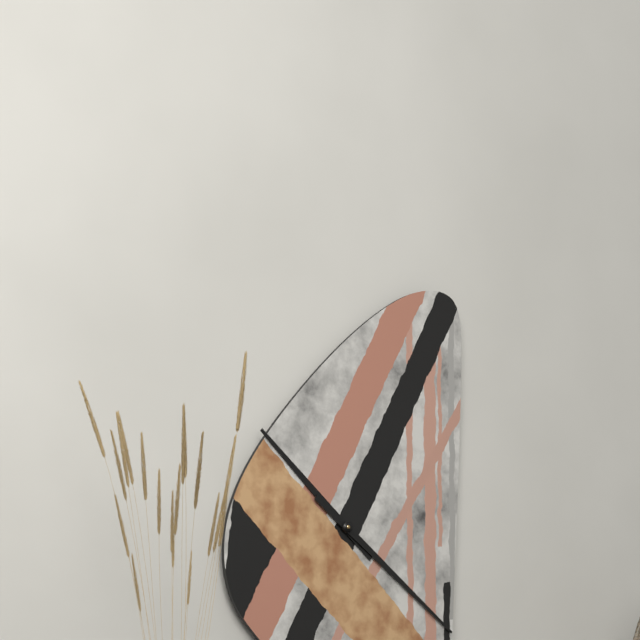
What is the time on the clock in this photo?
10:21
